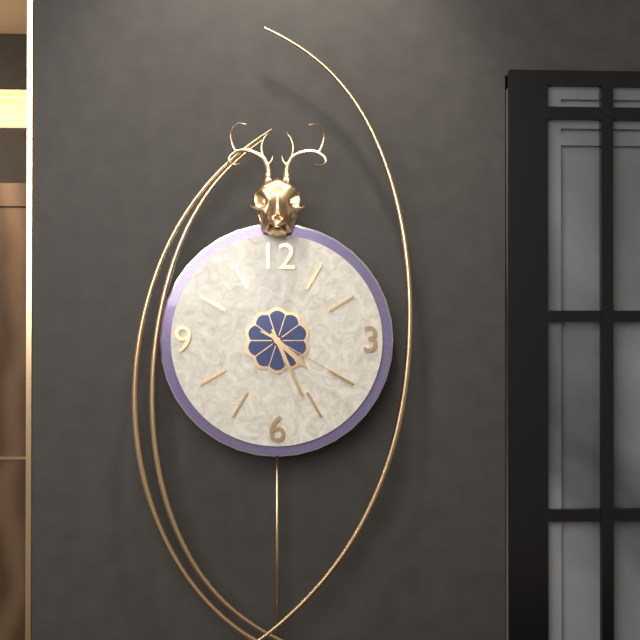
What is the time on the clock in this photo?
4:26:20
